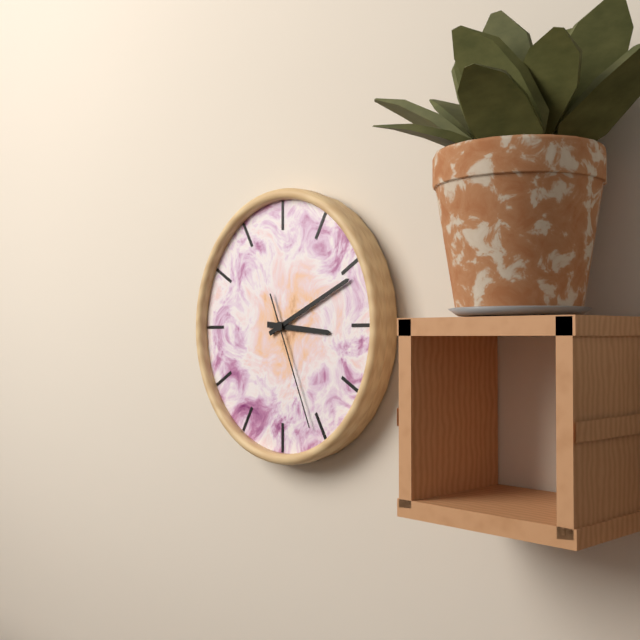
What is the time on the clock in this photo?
3:11:26
